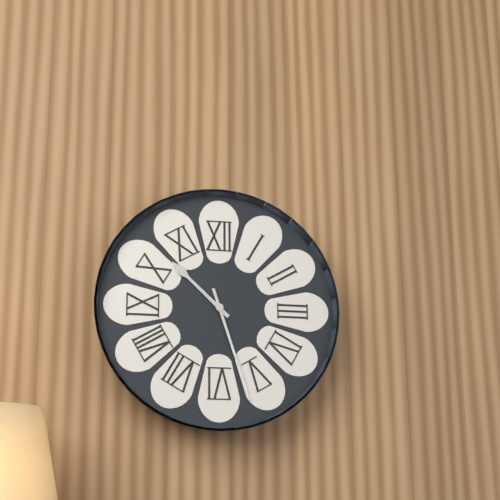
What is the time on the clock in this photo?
10:27
